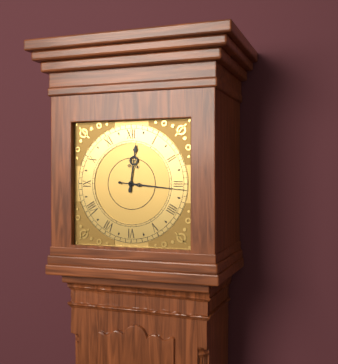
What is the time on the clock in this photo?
12:16
